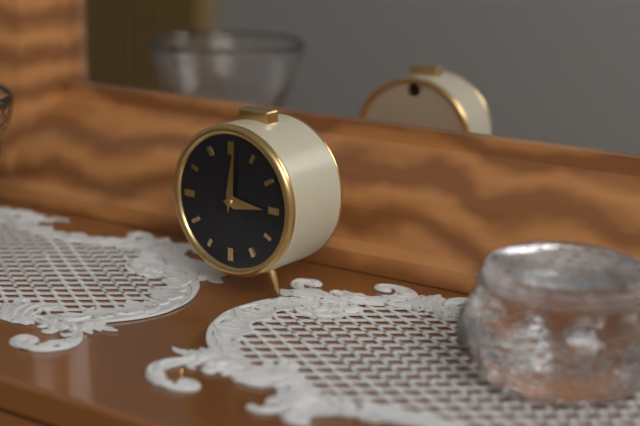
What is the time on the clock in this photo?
3:01
